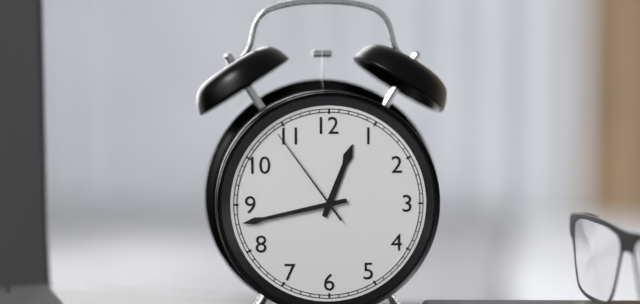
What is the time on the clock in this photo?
12:43:54
